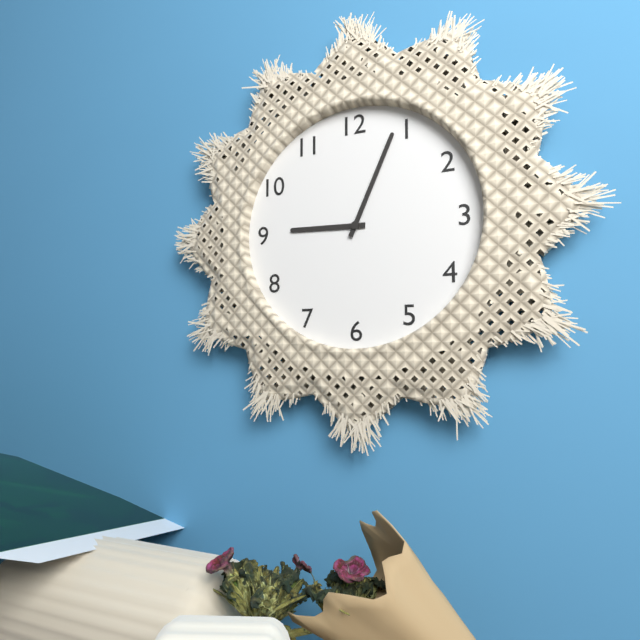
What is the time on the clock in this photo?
9:04
